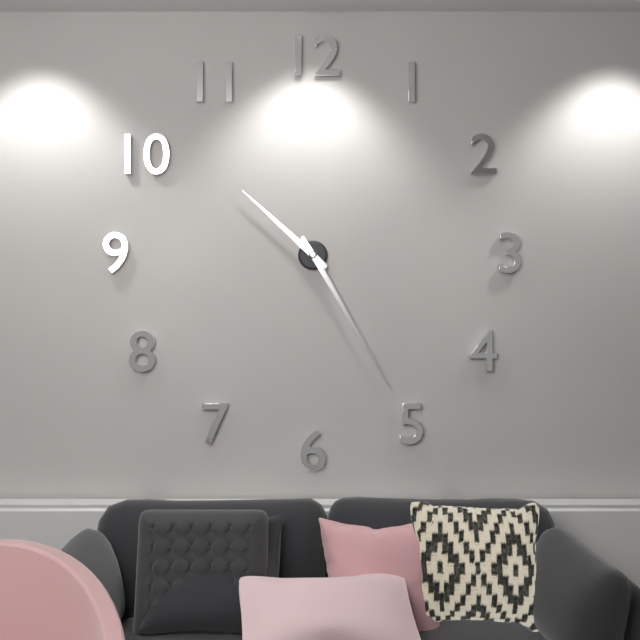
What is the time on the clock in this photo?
10:25
